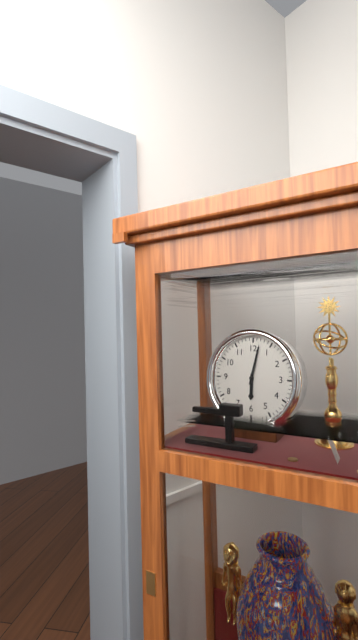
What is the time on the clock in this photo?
6:02
